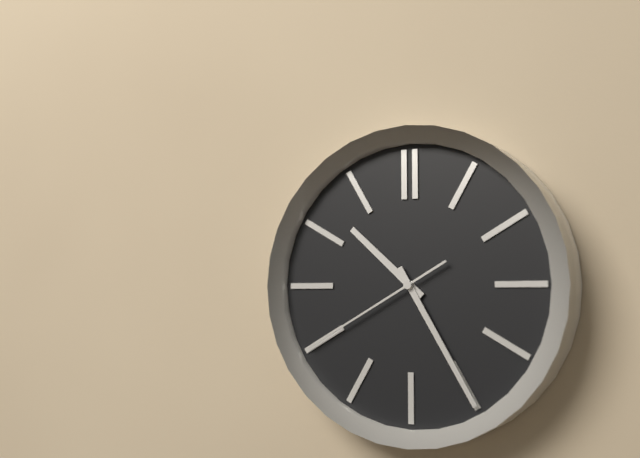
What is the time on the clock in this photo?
10:25:40
